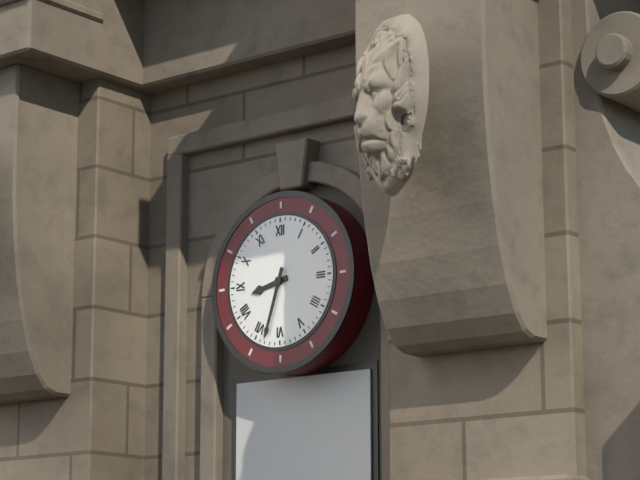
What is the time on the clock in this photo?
8:33
